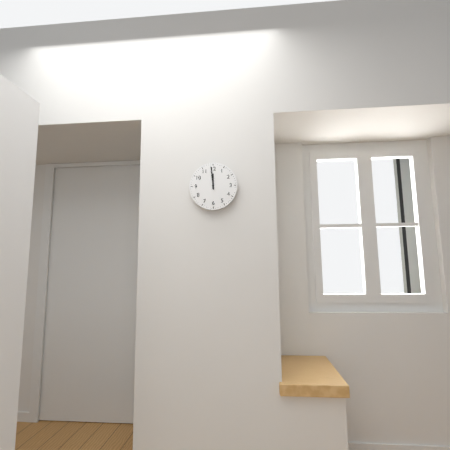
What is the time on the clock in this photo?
11:59
